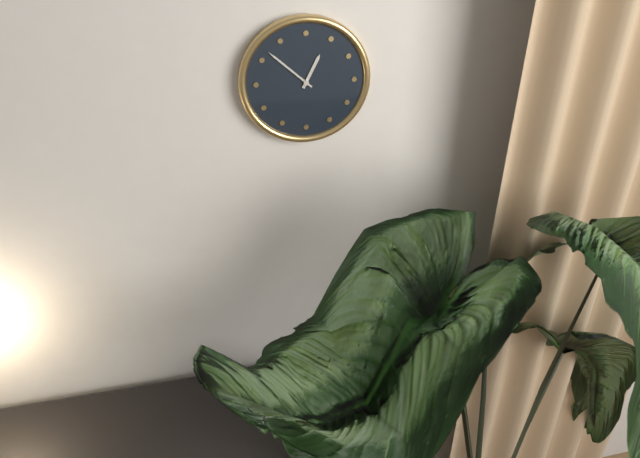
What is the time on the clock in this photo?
12:52
